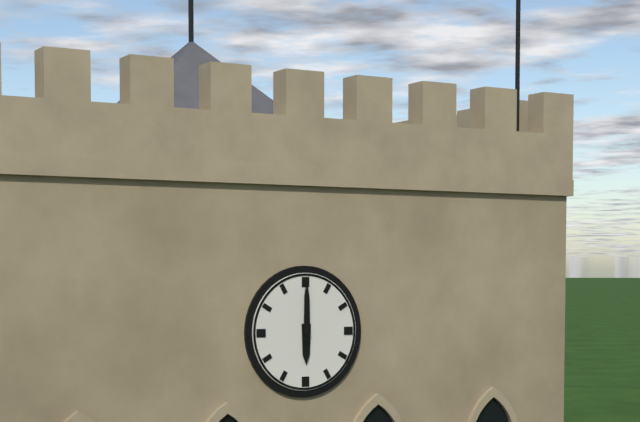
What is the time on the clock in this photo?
6:00
